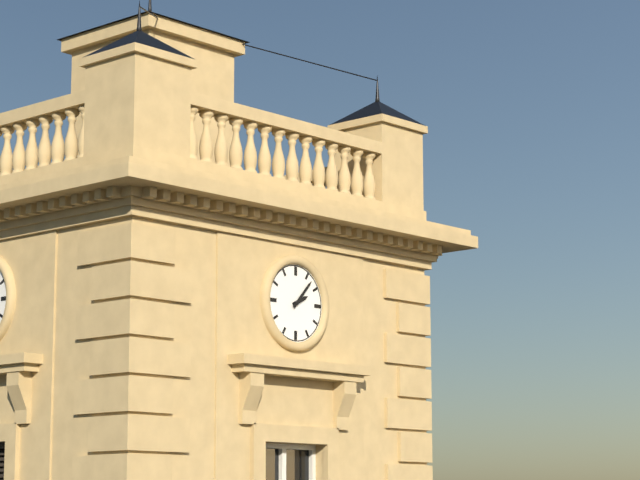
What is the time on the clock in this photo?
2:07
